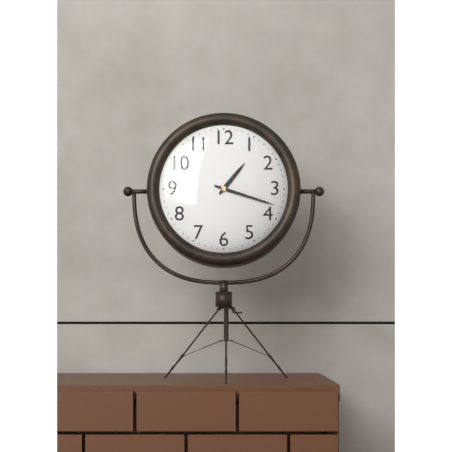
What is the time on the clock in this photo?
1:18
